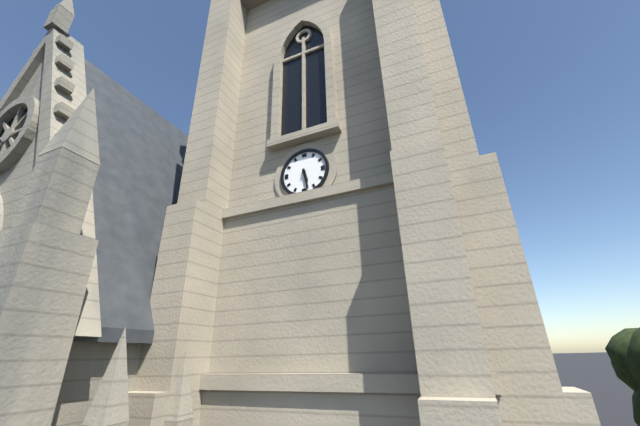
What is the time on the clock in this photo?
5:28
